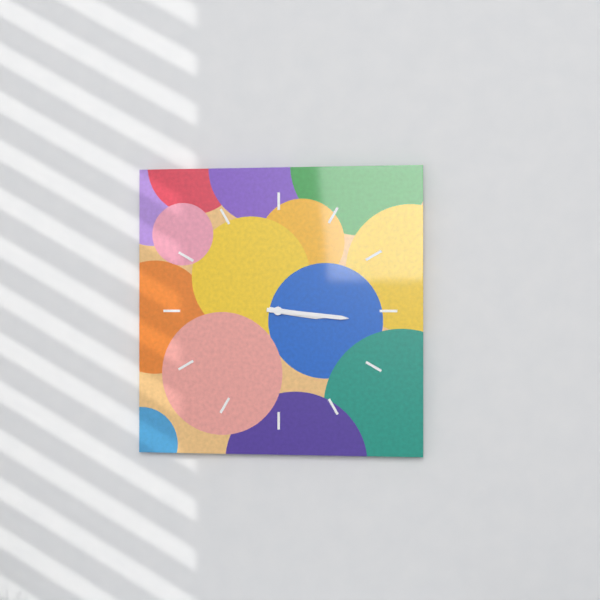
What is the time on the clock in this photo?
3:16
